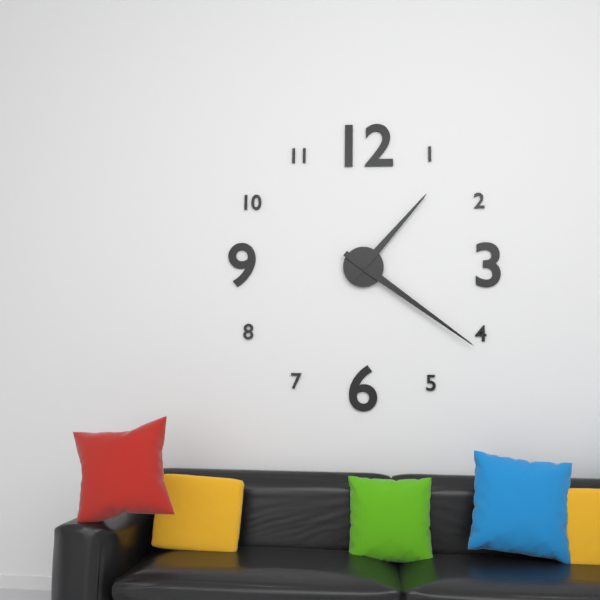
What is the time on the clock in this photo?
1:21
